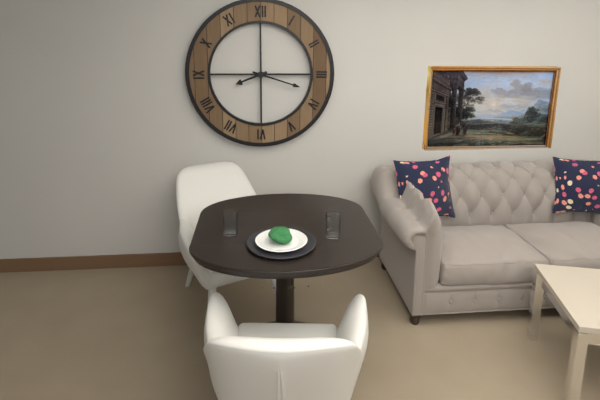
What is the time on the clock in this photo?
8:18
